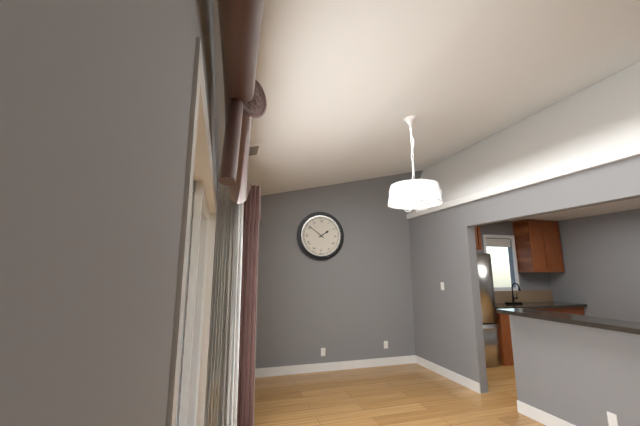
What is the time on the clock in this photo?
1:51
